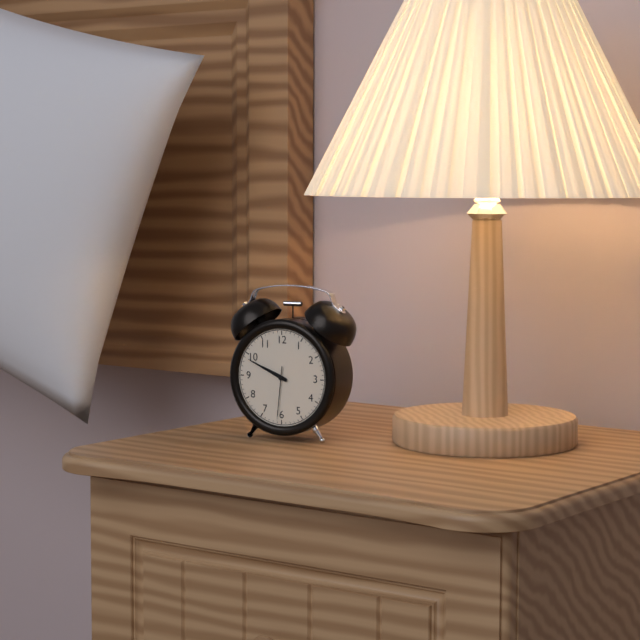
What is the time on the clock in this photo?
9:49:31
